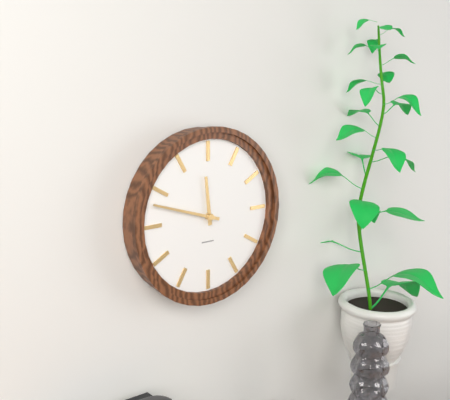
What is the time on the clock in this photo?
11:48
